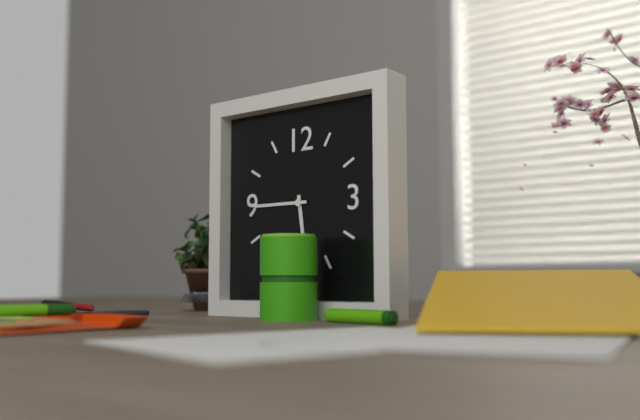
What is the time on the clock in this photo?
5:45
